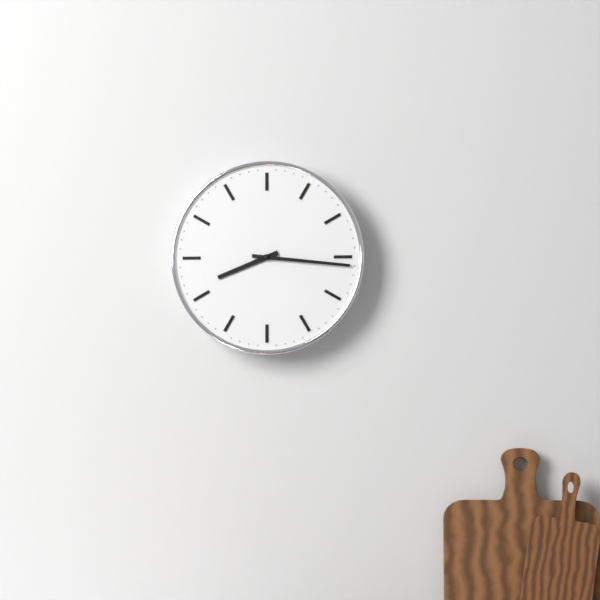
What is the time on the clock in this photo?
8:16
